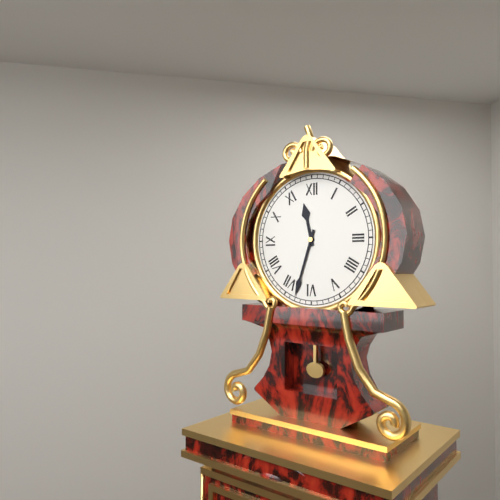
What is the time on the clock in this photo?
11:33
